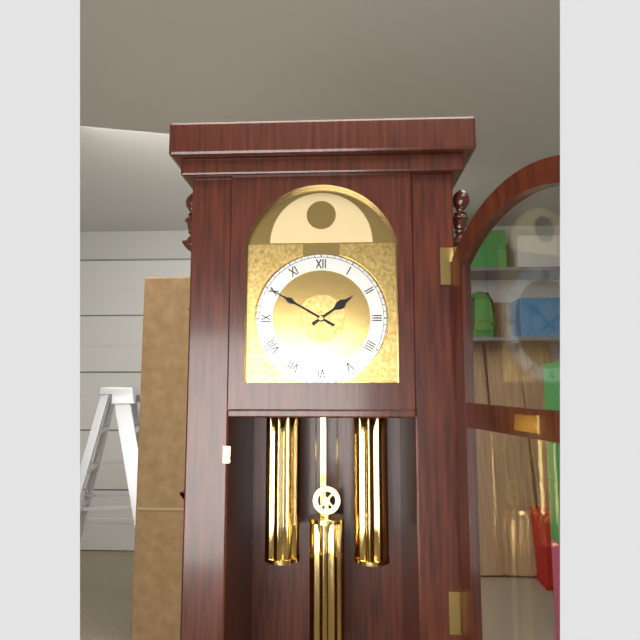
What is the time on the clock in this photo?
1:50
